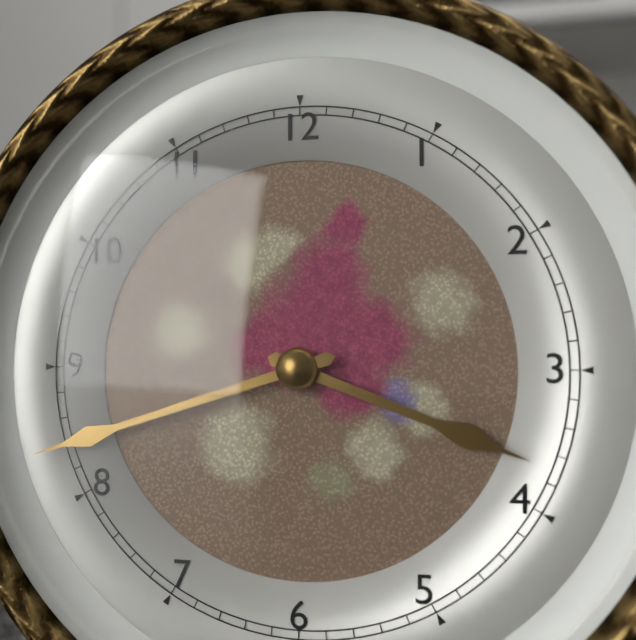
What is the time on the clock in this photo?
3:42
